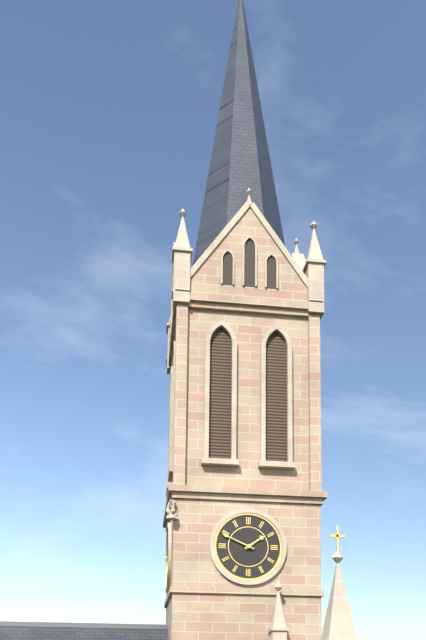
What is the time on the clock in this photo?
1:49
